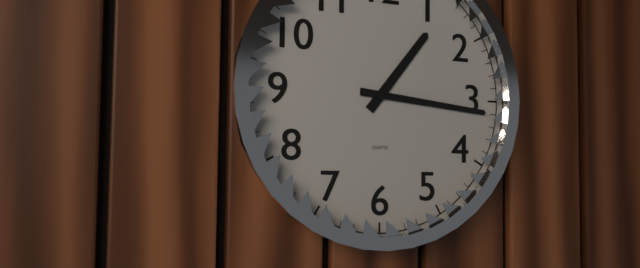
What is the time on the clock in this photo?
1:16
